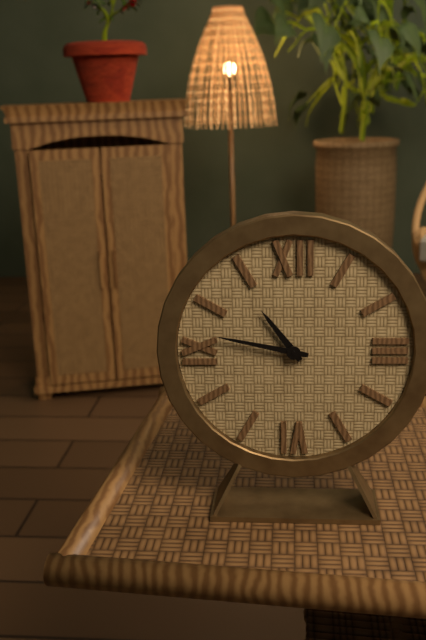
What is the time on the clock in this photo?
10:47
